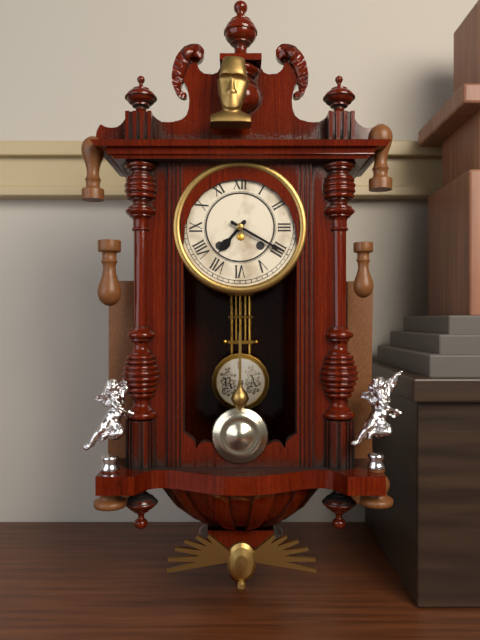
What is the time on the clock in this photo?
7:20
